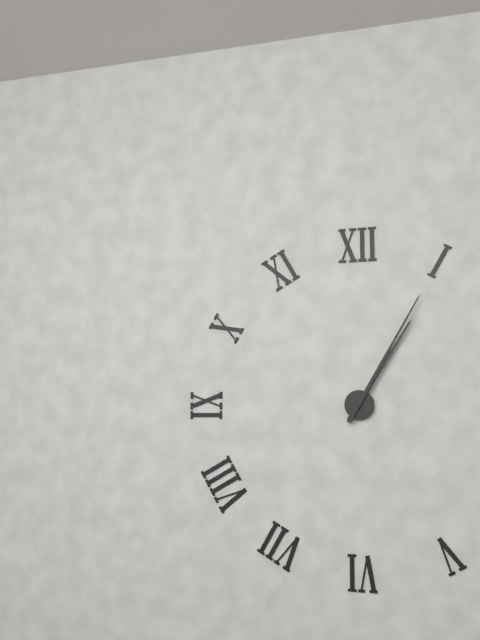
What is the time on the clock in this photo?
1:05
